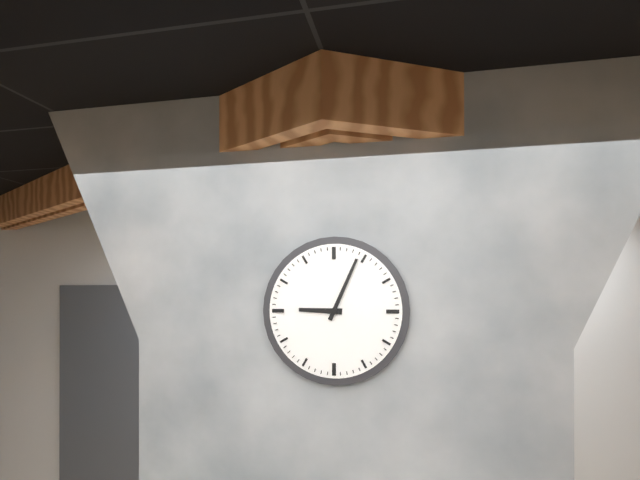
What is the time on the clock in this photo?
9:04
